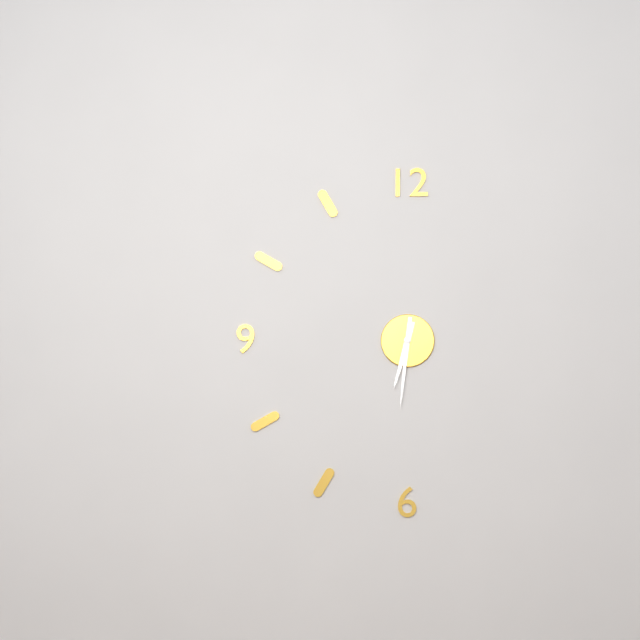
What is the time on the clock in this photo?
6:31
